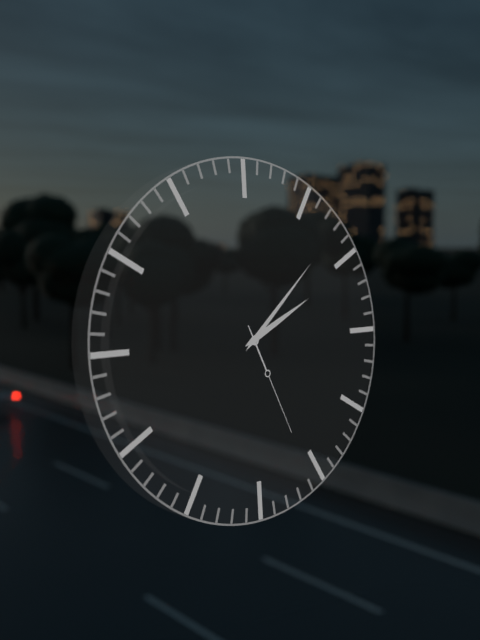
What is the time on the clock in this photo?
2:08:26
